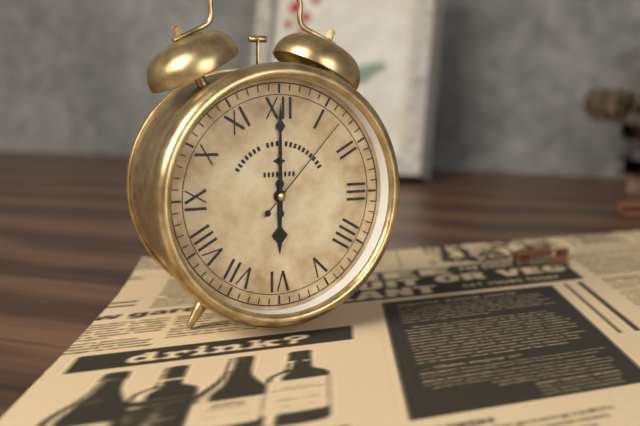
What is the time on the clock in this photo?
6:00:07
